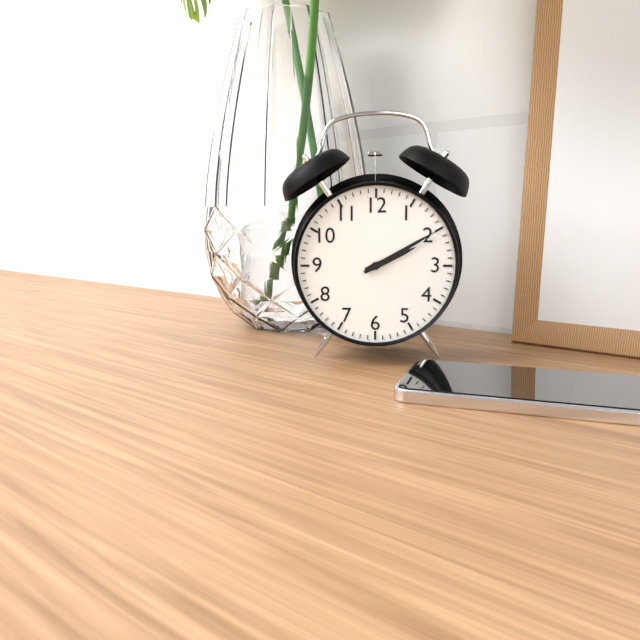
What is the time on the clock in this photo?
2:10
